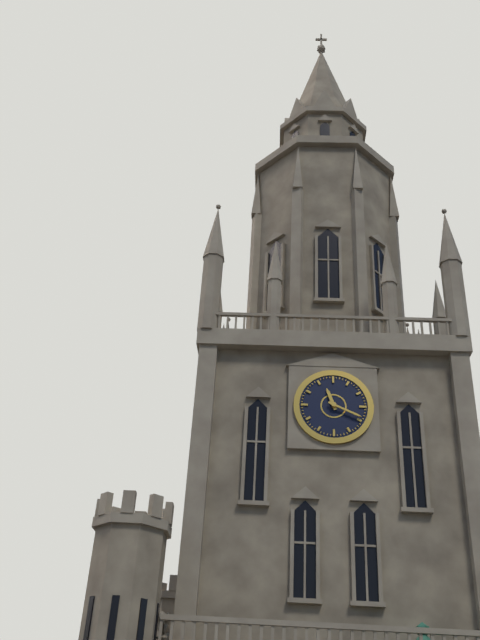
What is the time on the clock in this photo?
11:19
